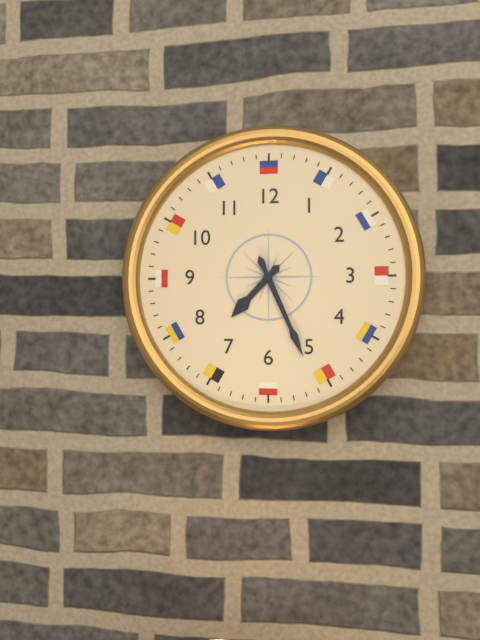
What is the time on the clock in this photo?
7:26
